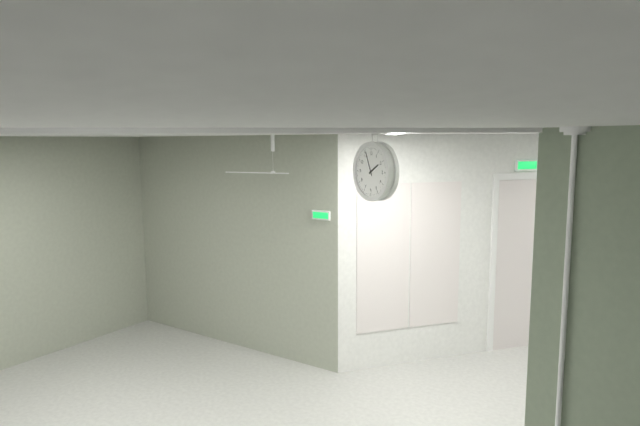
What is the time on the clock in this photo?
1:56
